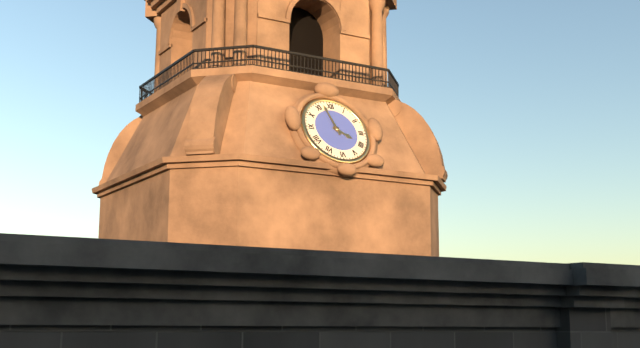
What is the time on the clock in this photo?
3:57
